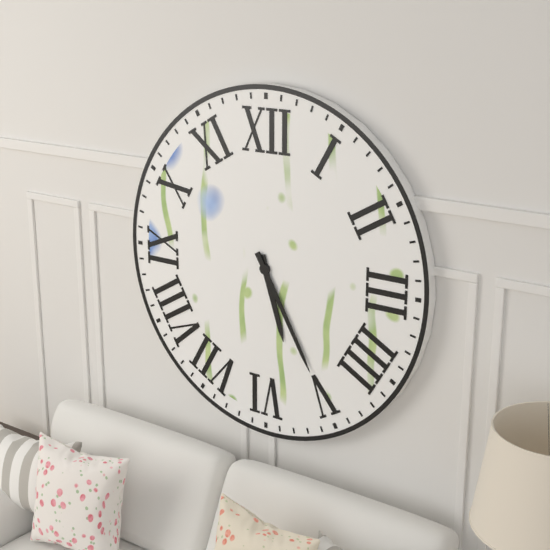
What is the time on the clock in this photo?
5:25
